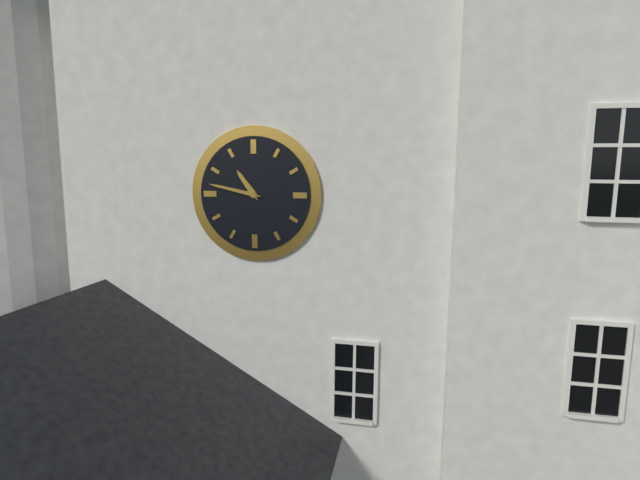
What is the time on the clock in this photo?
10:47
